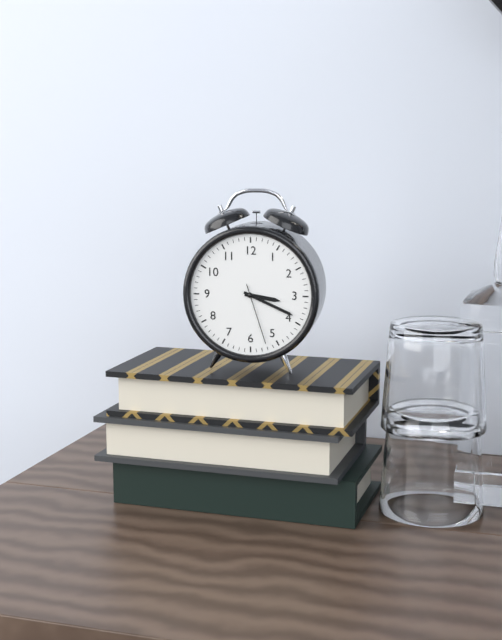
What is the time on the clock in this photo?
3:19:27
